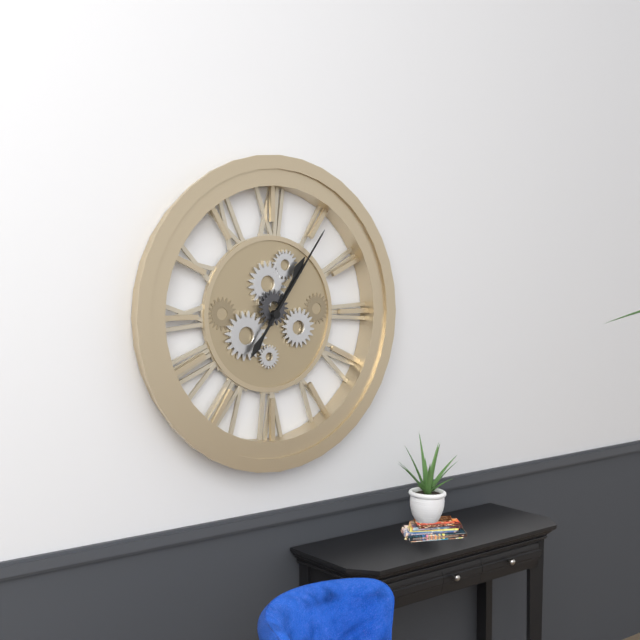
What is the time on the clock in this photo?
1:06
